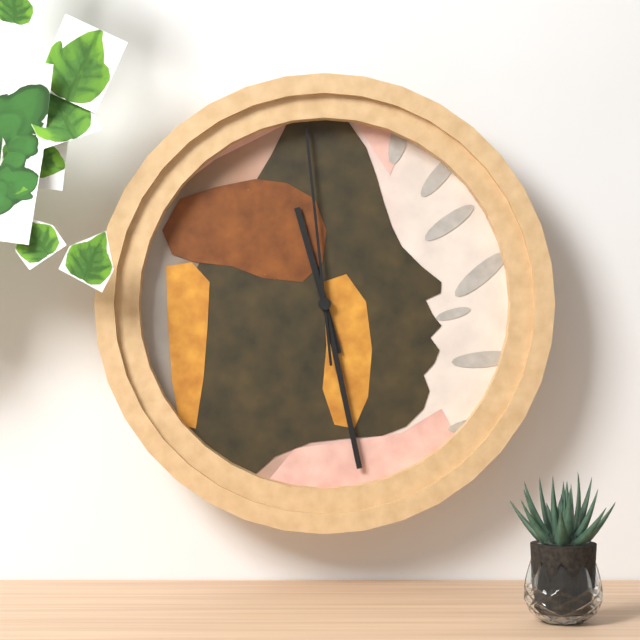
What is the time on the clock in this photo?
11:28:59
